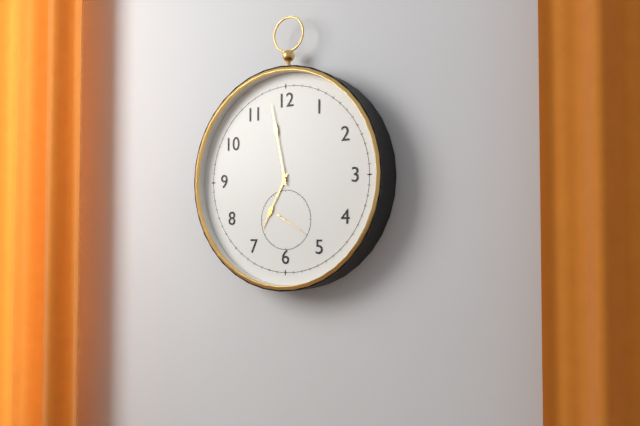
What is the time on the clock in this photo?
6:58
